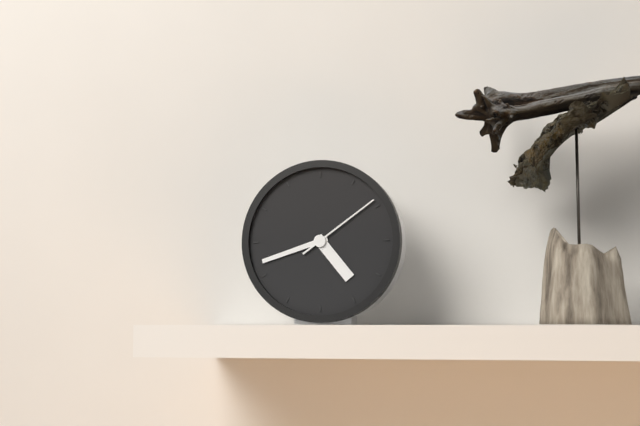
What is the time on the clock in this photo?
4:42:09
